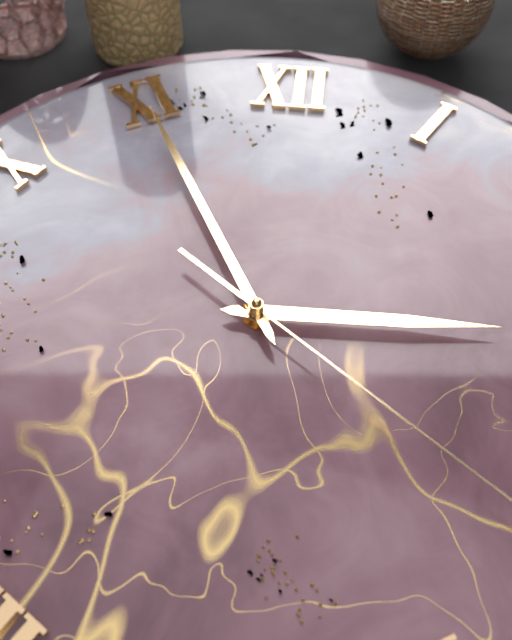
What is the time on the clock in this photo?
2:55
